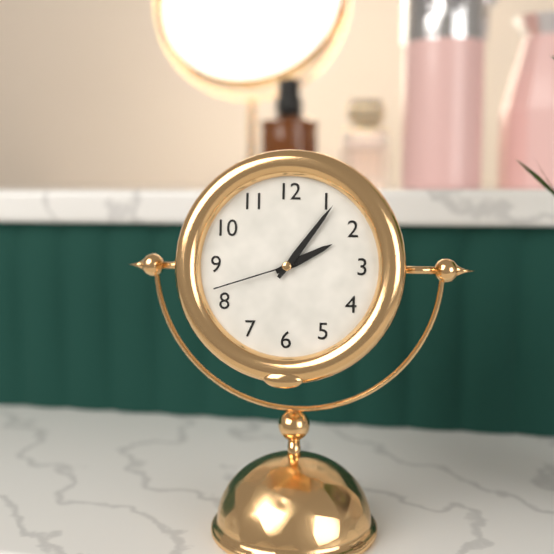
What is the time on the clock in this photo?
2:06:42
